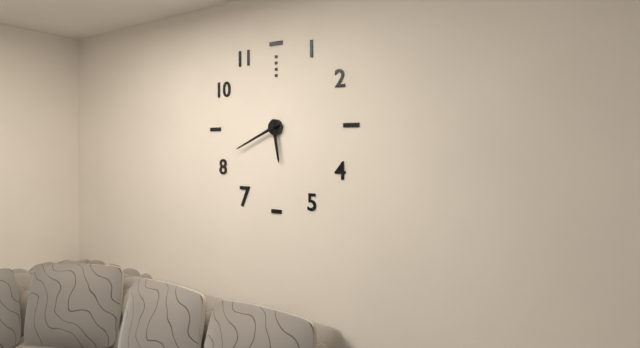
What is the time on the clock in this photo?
5:41
